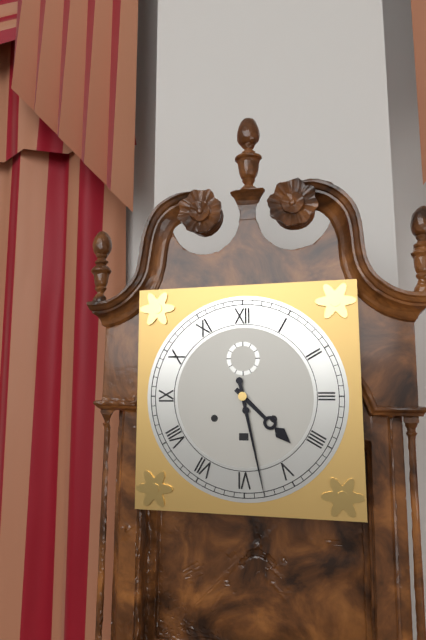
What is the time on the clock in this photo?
4:28
